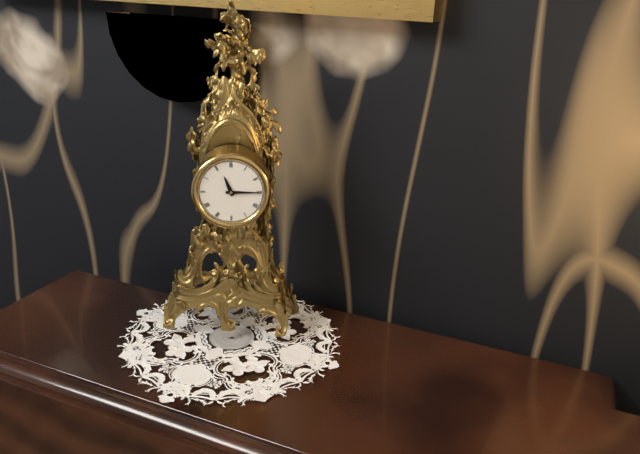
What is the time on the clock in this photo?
11:15
